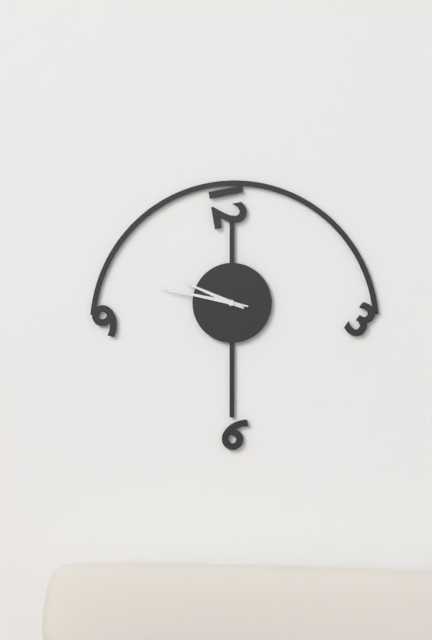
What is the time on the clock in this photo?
9:47
